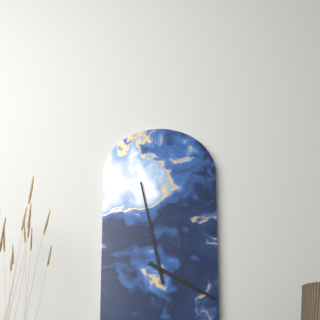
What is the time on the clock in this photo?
3:58
